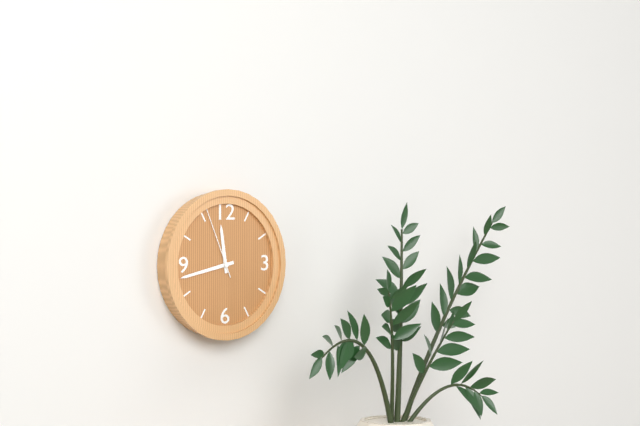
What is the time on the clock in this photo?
11:43:56
